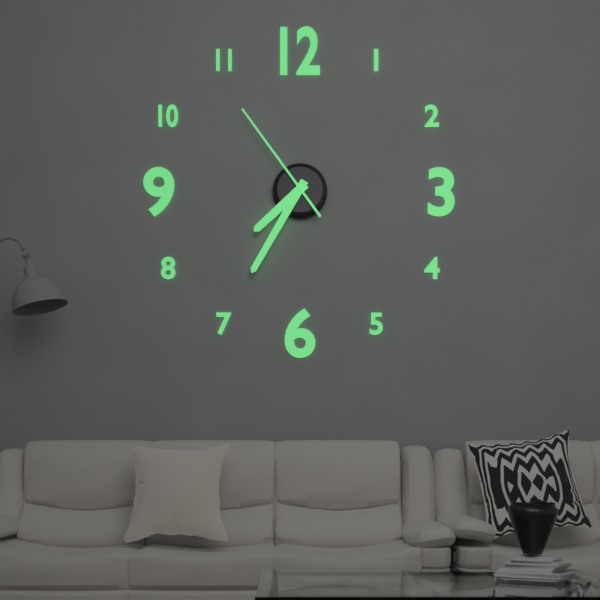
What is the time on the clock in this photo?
7:35:54
